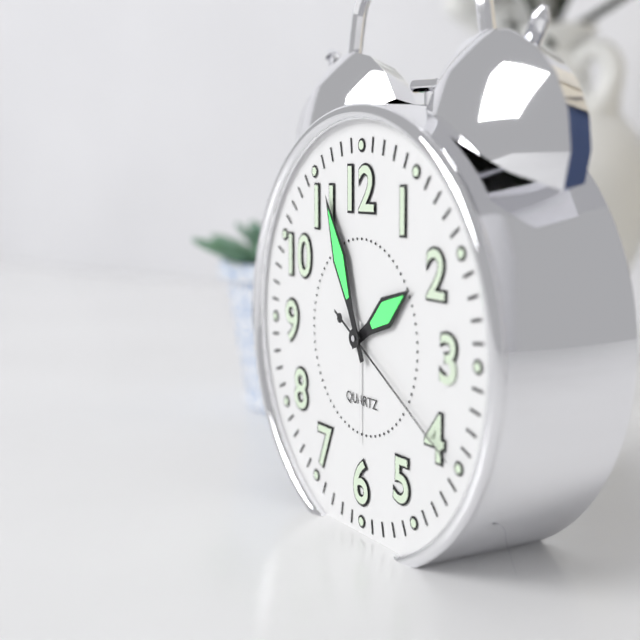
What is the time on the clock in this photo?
1:56:20
